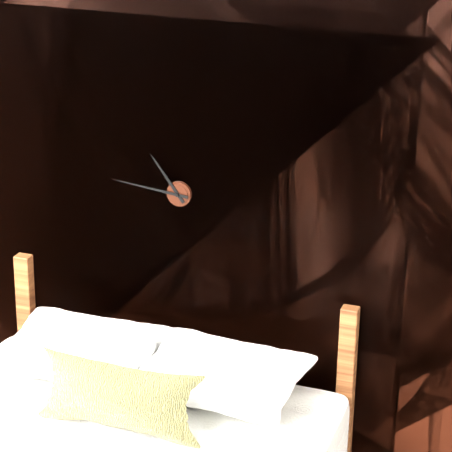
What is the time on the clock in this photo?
10:46
